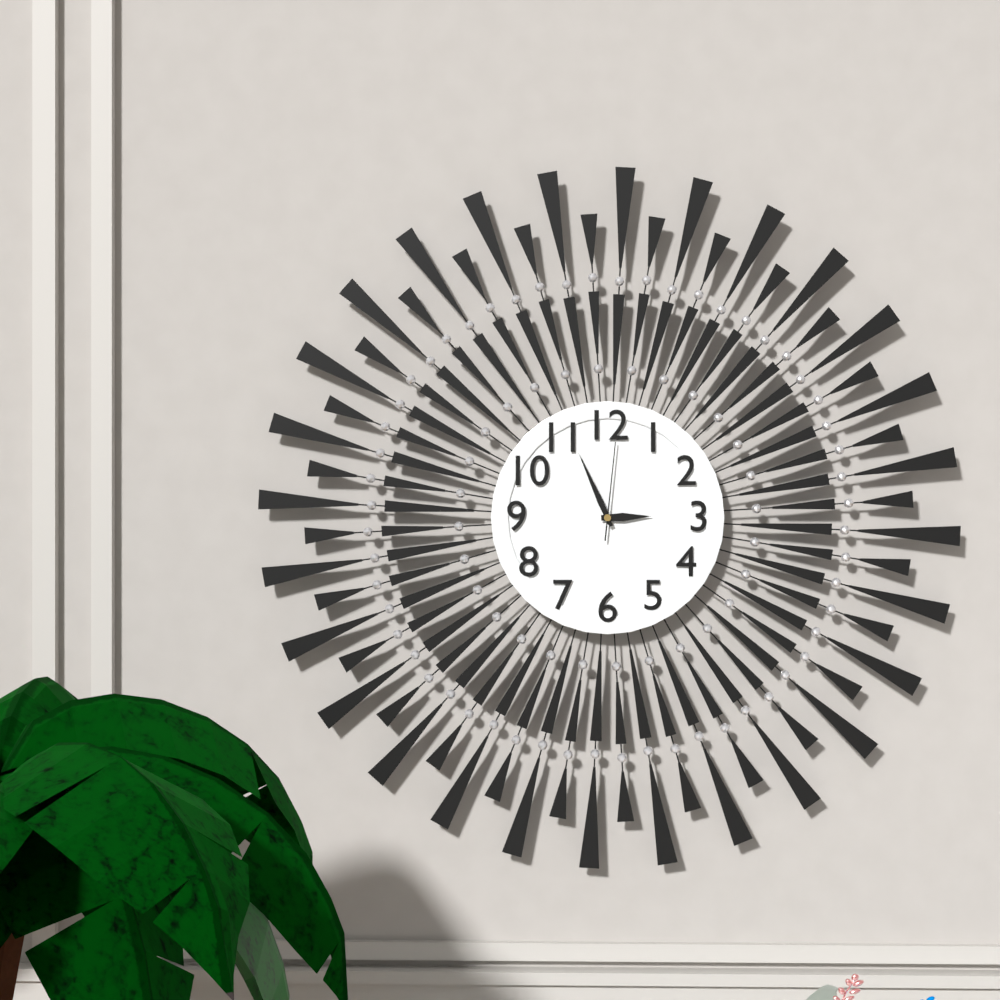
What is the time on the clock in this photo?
2:56:01
